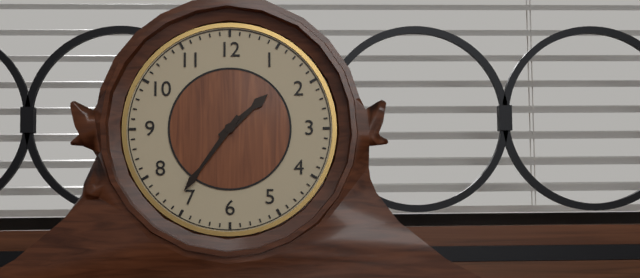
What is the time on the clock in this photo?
1:36
